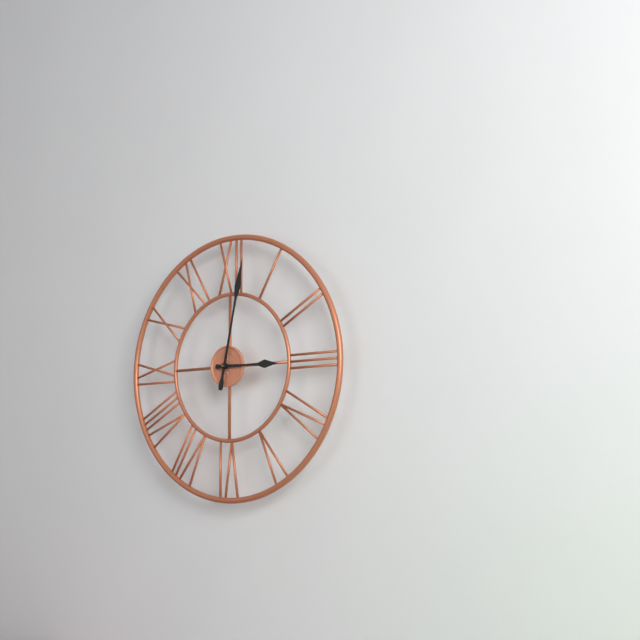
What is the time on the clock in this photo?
3:02
